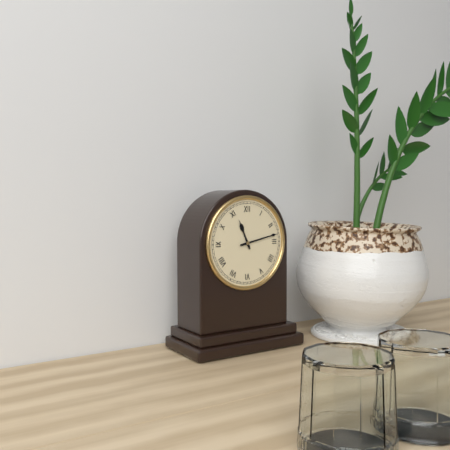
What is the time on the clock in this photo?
11:13
